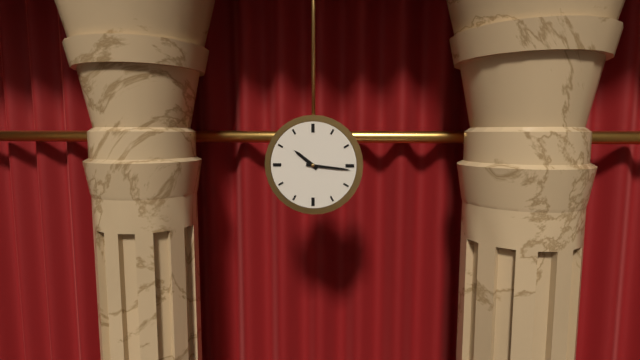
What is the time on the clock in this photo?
10:16
